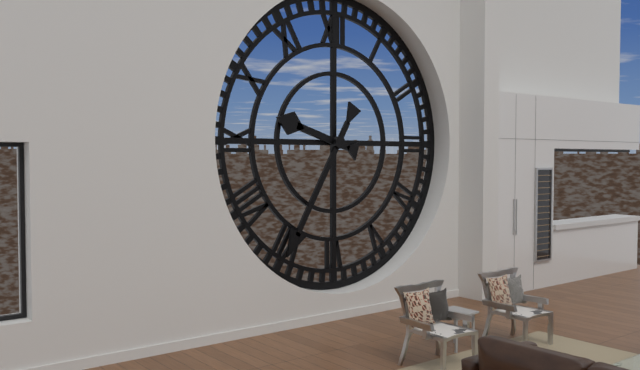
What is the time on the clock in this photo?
9:35
